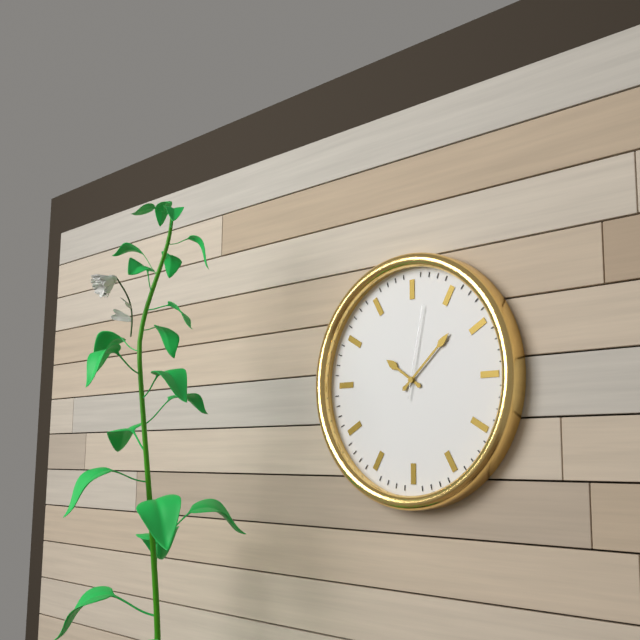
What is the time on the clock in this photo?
10:08:02
